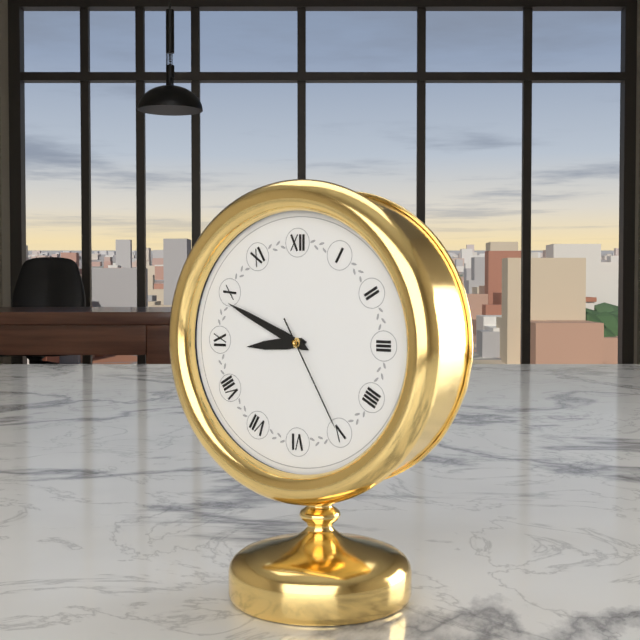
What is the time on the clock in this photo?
8:49:25
